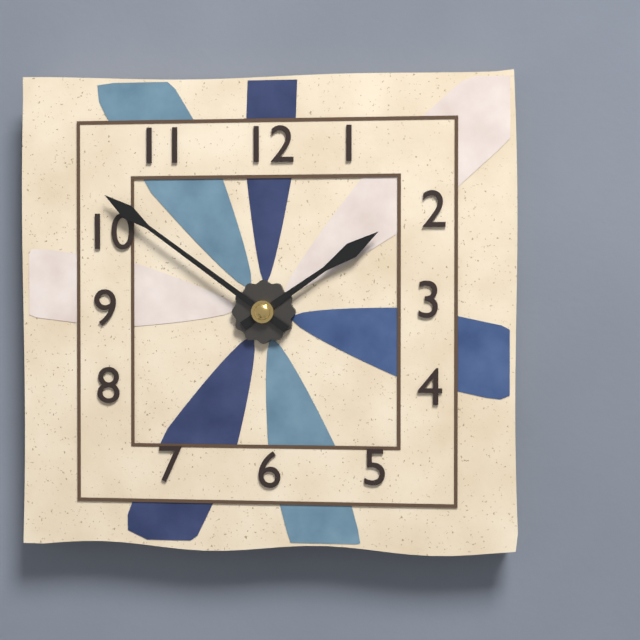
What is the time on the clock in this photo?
1:51
